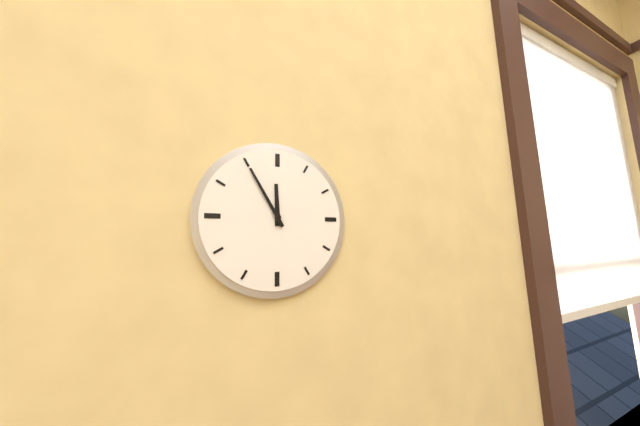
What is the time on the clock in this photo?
11:55
